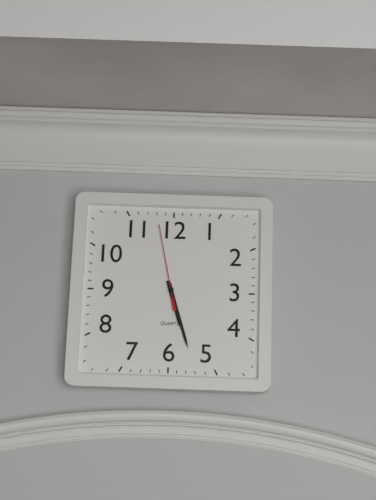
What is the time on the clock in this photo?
5:27:58
